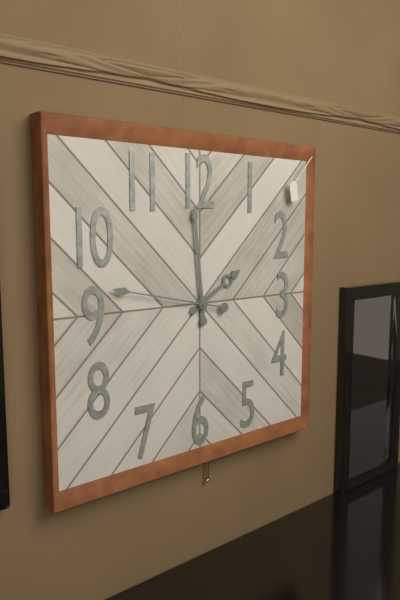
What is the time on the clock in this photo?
1:59:47
